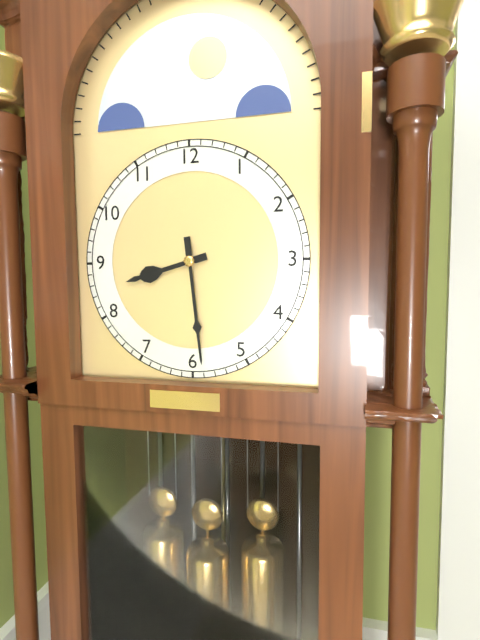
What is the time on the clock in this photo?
8:29
